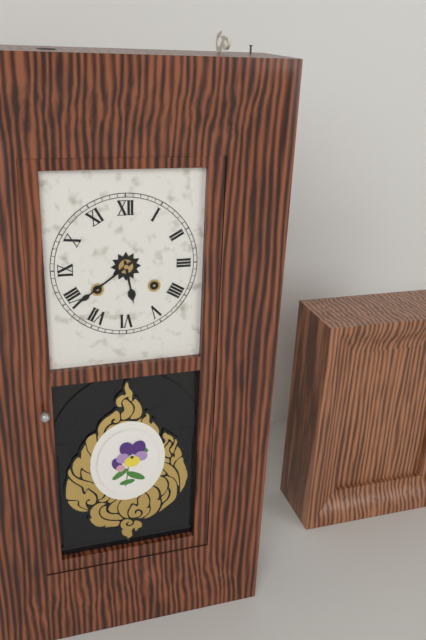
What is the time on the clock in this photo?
5:39
